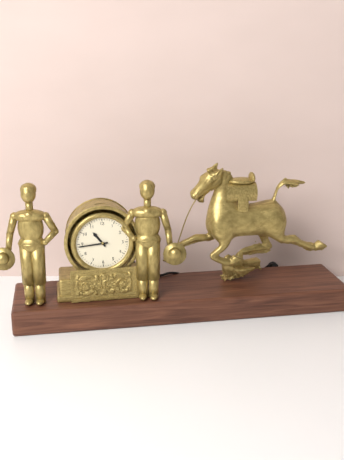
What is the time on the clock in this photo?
10:44
